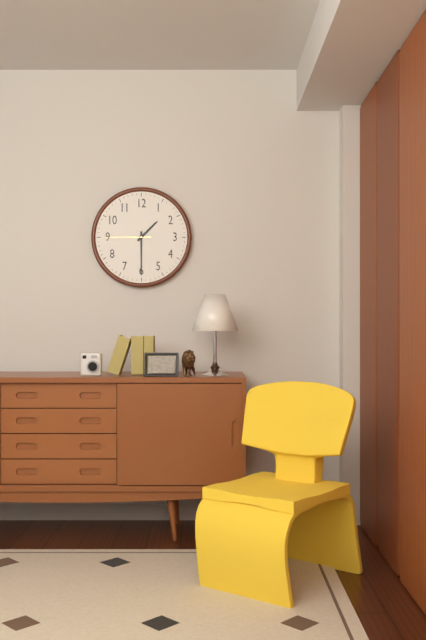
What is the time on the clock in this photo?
1:30
